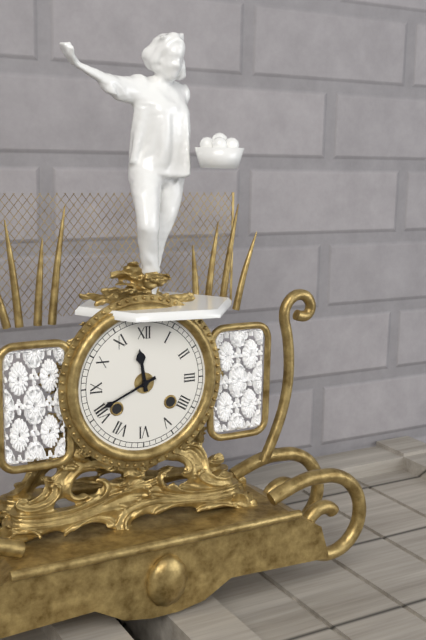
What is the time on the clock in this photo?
11:41
